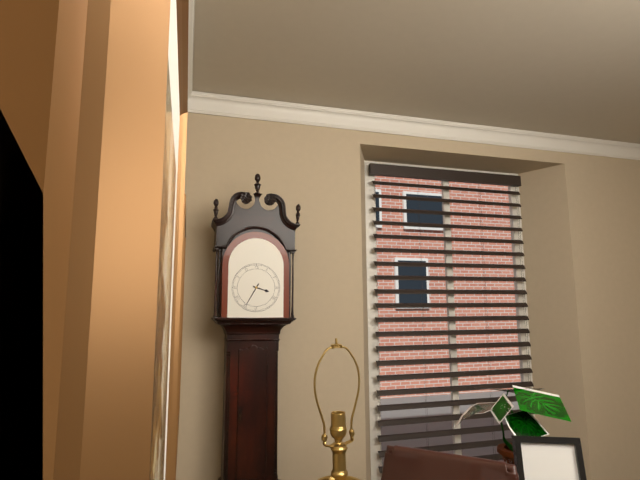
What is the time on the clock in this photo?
3:35
